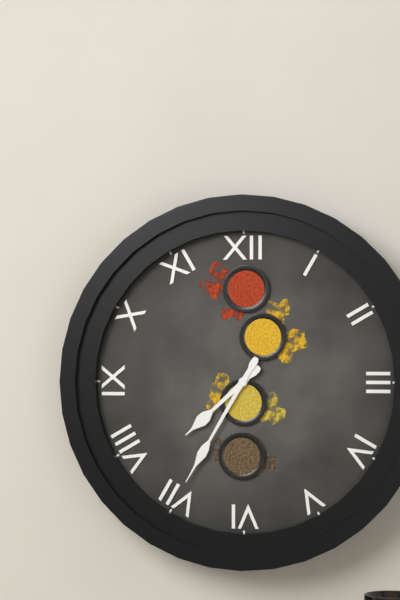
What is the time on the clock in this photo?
7:35
